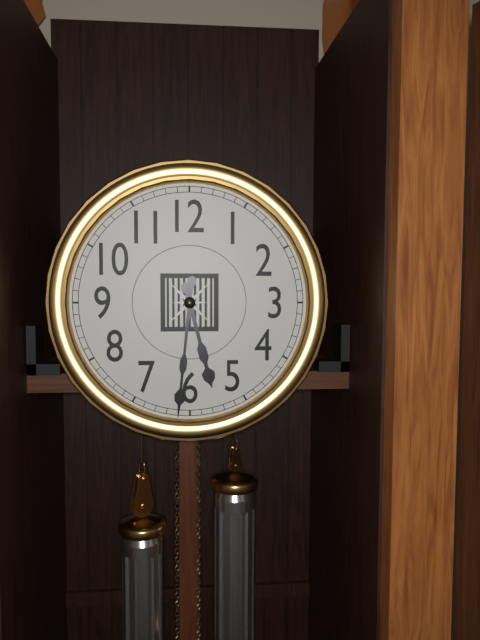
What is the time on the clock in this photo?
5:31
